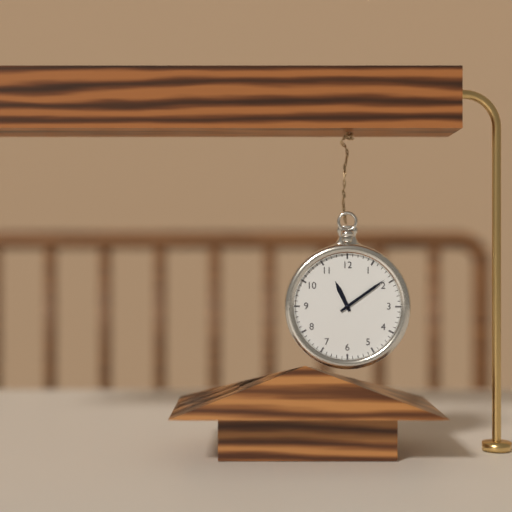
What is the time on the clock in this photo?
11:09
